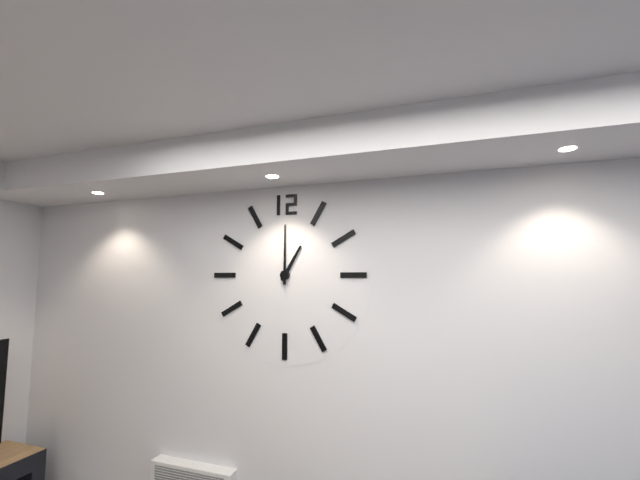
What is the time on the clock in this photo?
1:00
